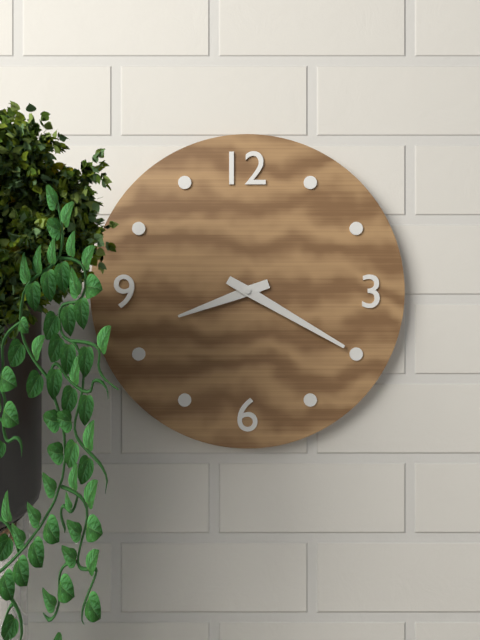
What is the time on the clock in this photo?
8:20
